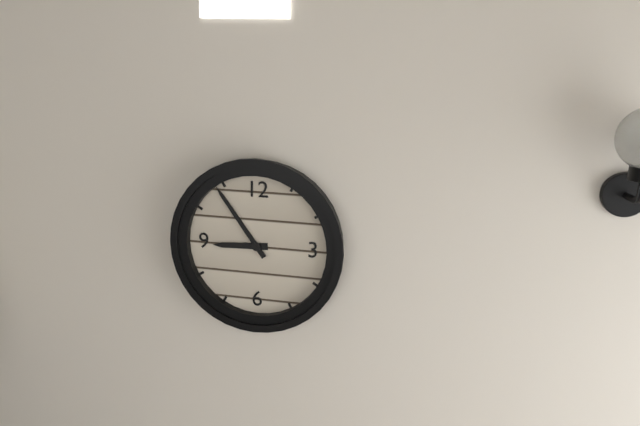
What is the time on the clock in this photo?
8:54
